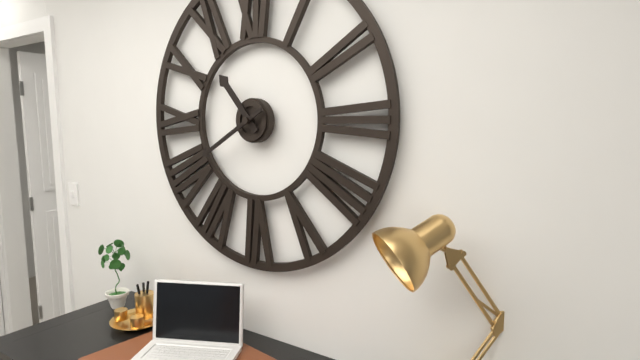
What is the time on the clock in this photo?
10:40
